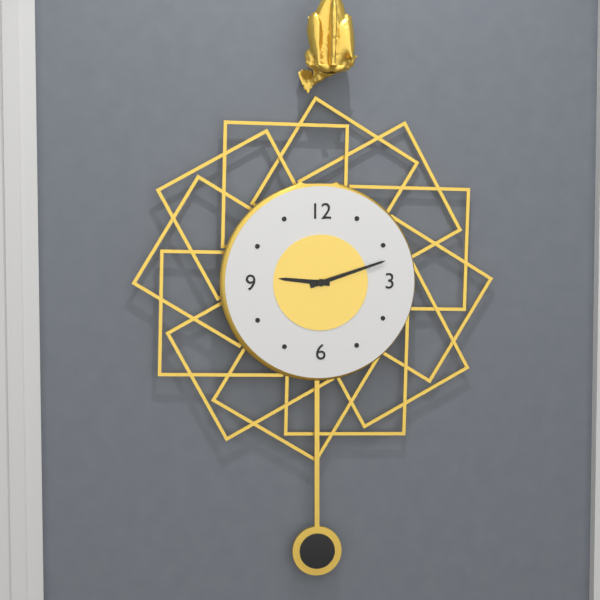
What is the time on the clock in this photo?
9:12
